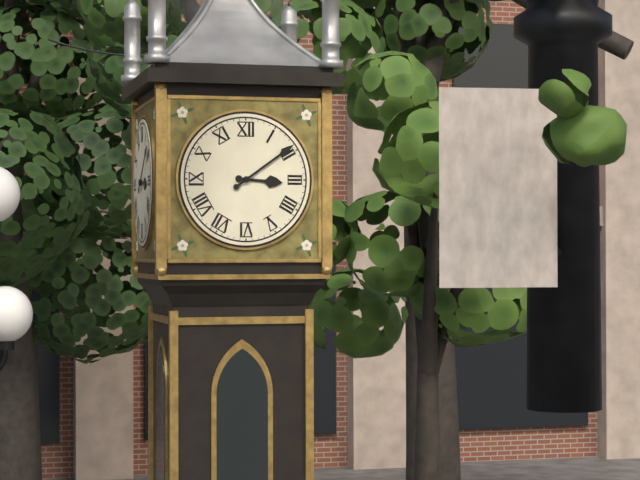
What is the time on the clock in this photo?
3:09
